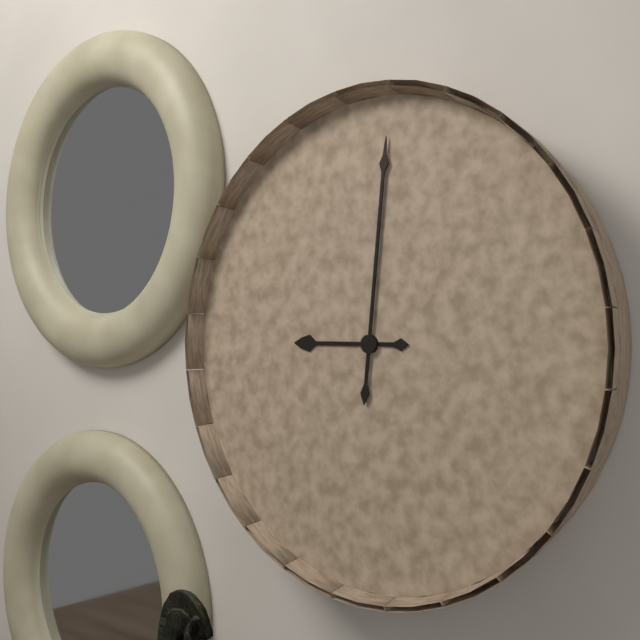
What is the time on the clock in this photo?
9:01
